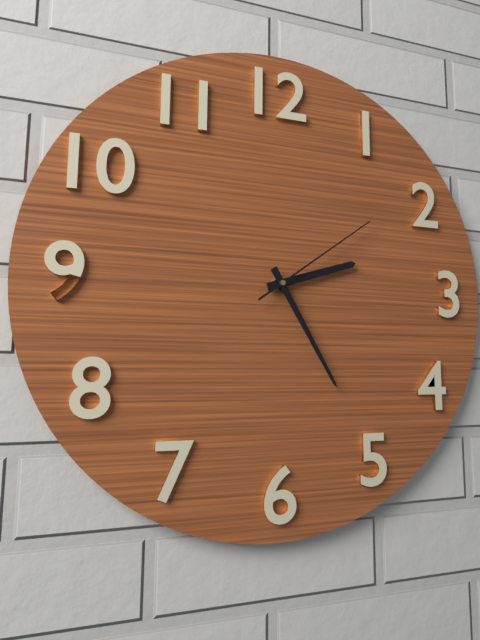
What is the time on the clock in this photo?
2:25:09
